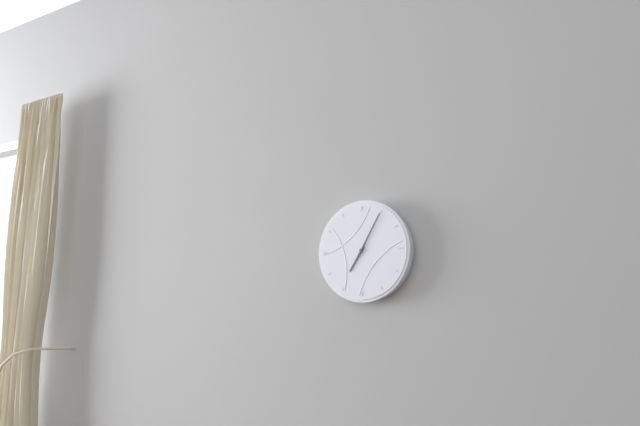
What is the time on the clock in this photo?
7:05
